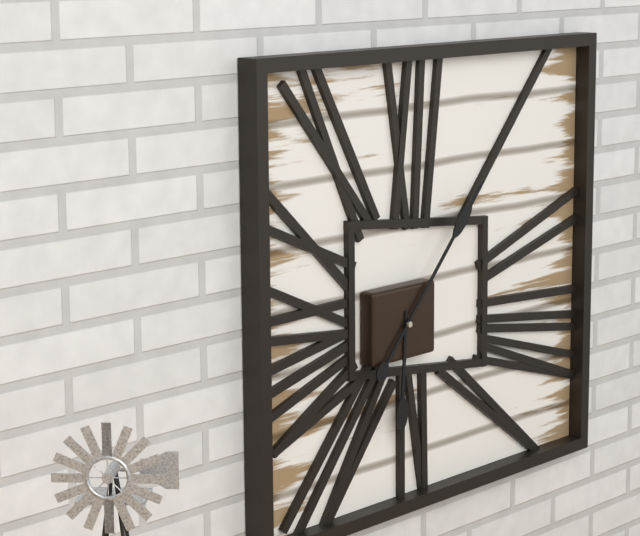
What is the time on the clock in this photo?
6:07
